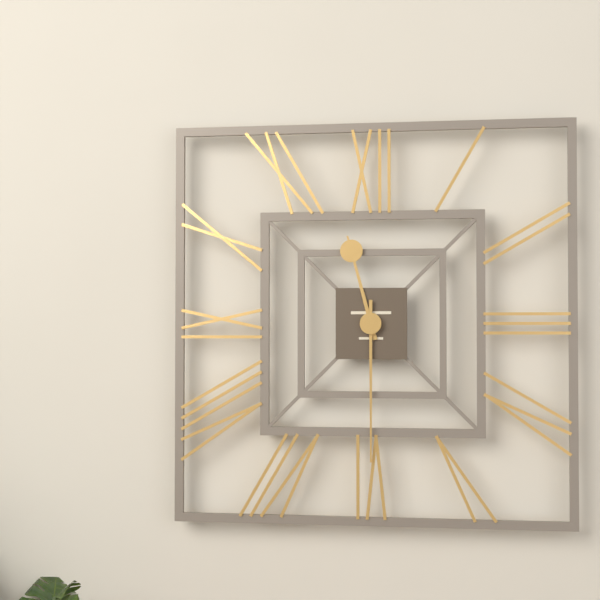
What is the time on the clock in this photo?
11:30
